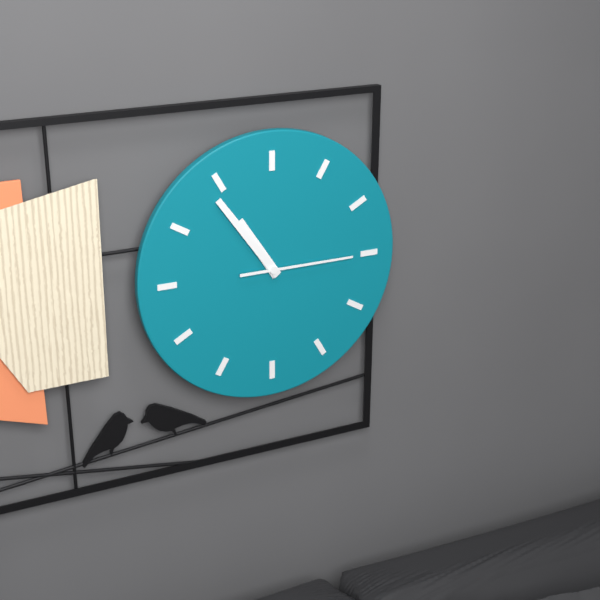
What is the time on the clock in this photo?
10:54:15
